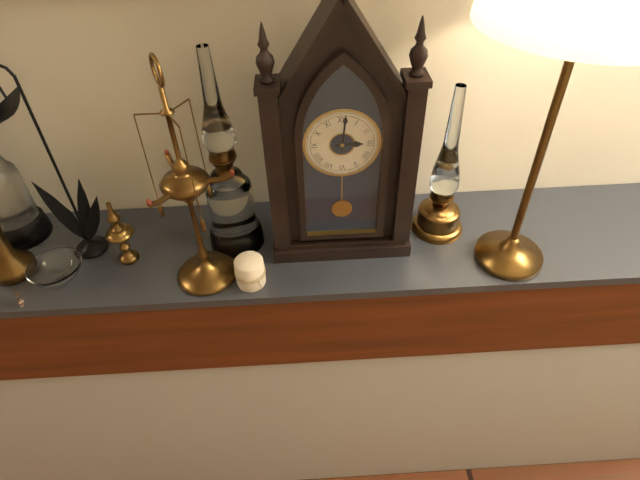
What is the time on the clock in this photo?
3:01
